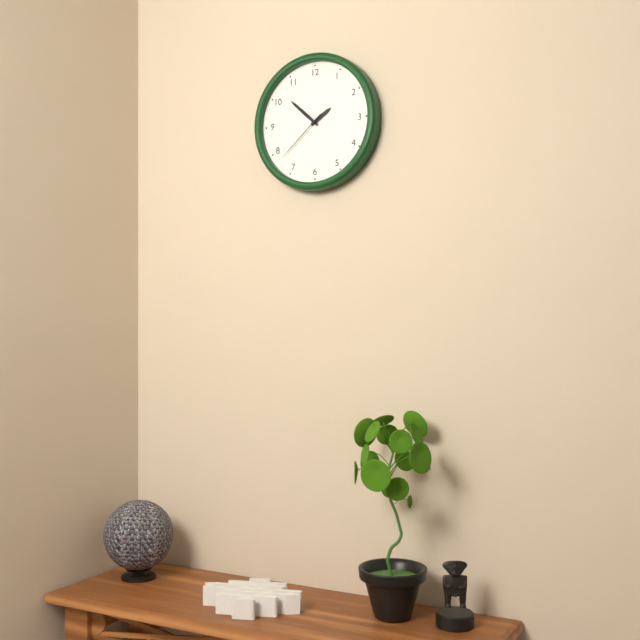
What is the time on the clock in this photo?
1:52:38
